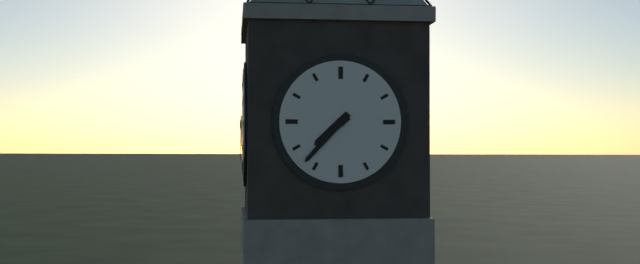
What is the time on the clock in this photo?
7:37
